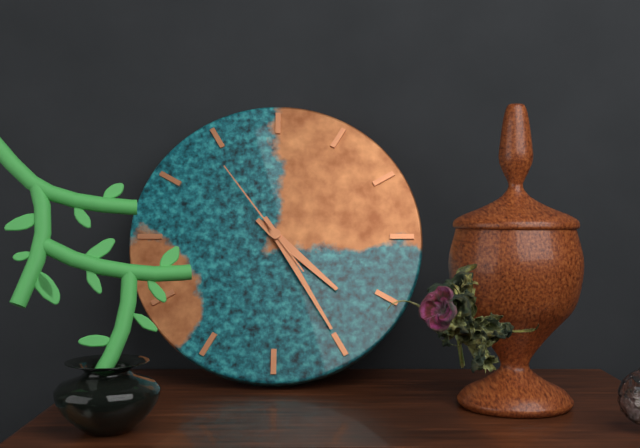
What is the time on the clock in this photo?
4:25:54
